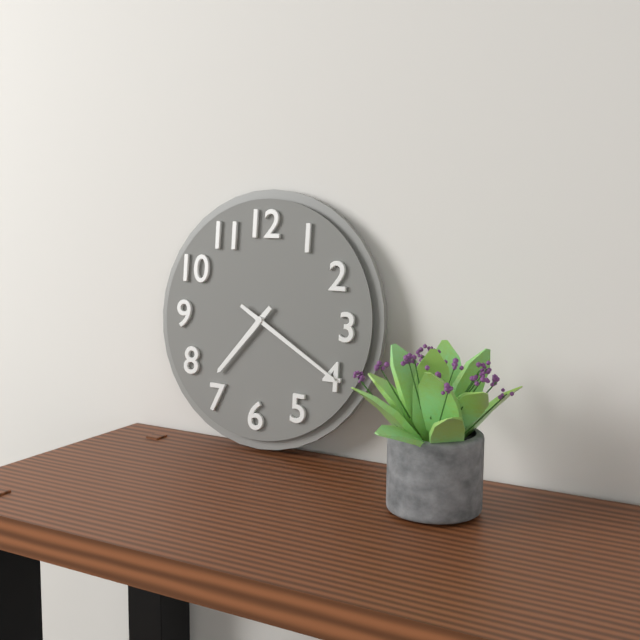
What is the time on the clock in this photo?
7:20
